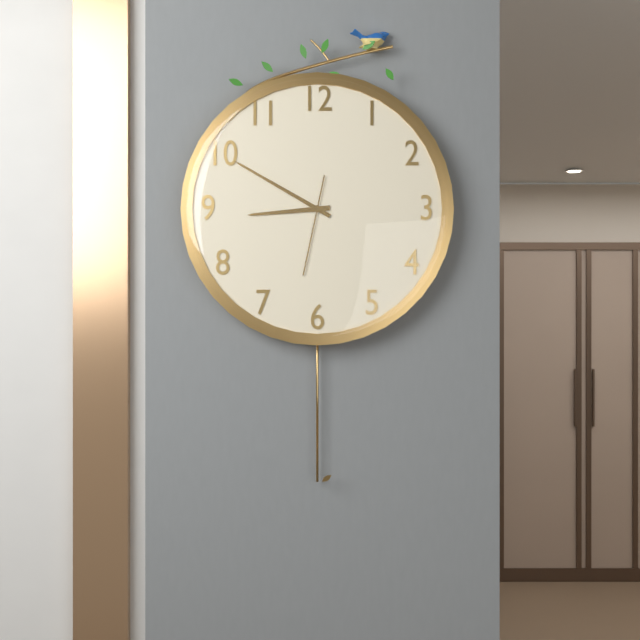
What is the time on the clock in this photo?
8:50:32
